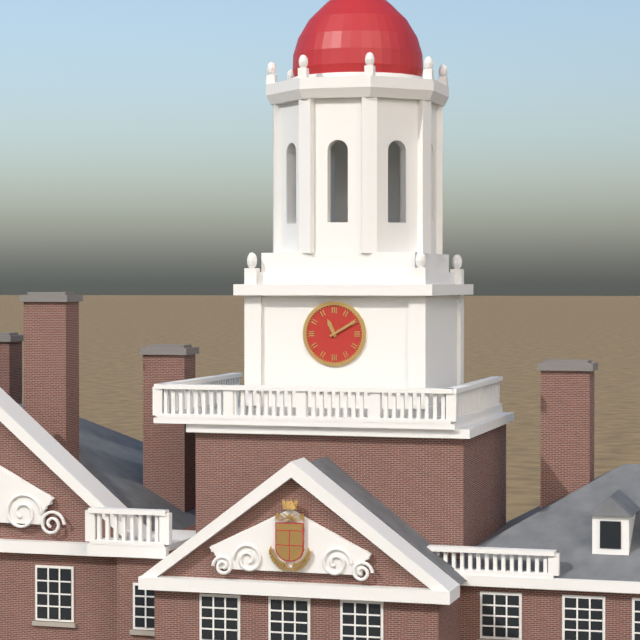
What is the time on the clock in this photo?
11:10
